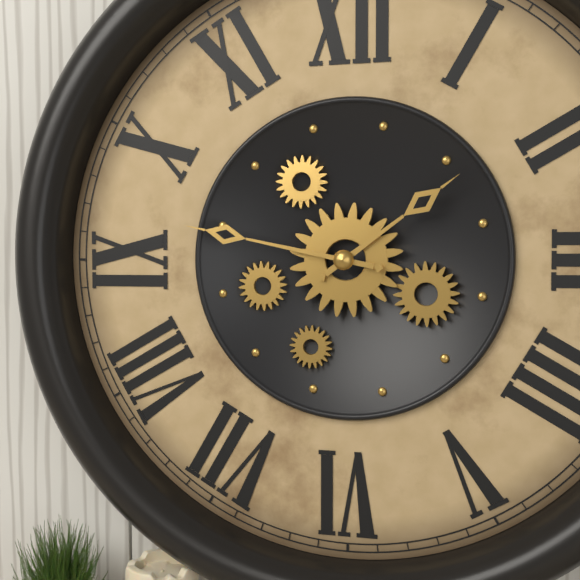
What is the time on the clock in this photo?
1:47
